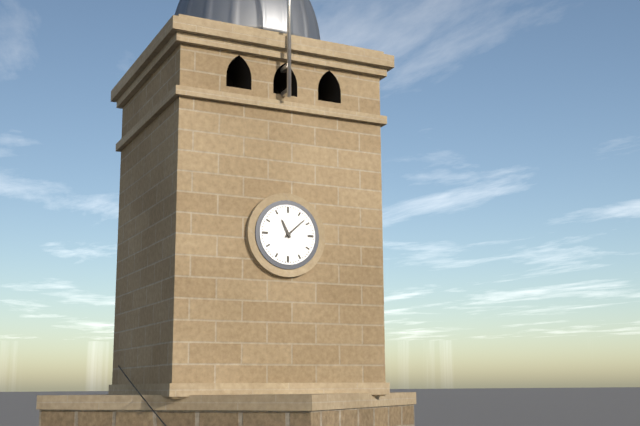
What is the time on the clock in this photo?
11:08
